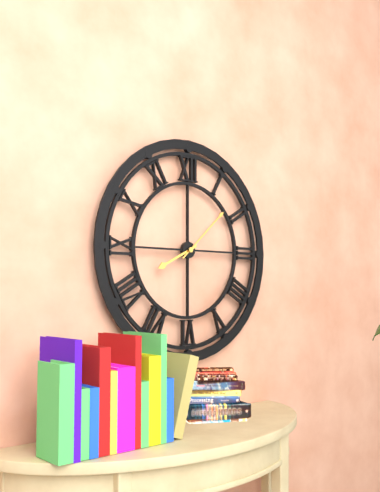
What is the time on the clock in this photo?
8:08
